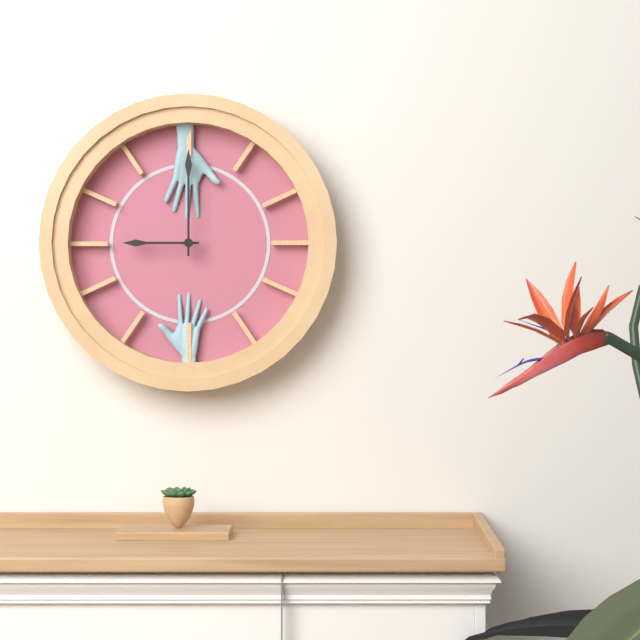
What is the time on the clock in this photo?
9:00
